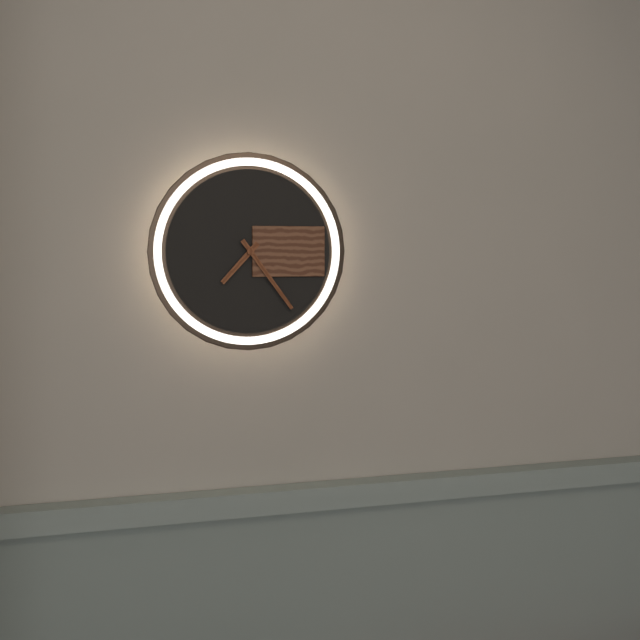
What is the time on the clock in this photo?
7:24
